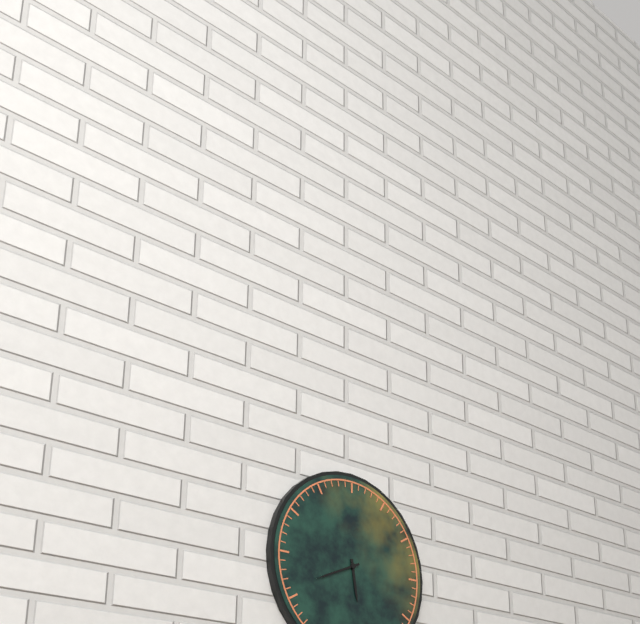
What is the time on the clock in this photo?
5:41
